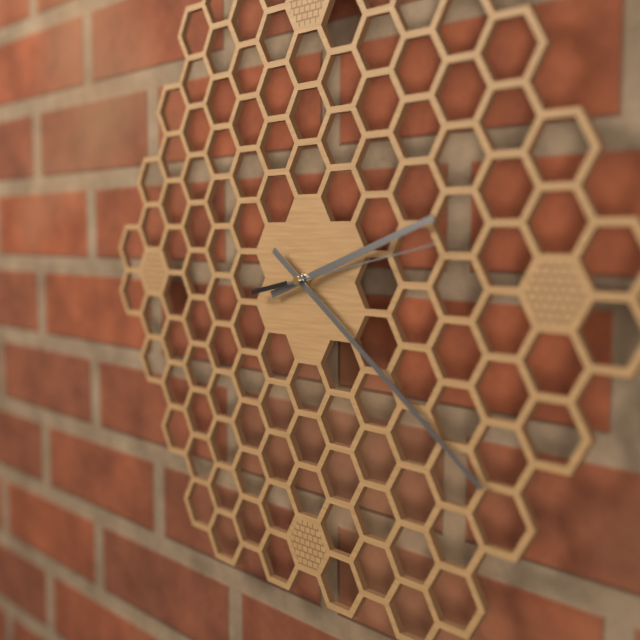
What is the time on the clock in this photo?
2:21:13
